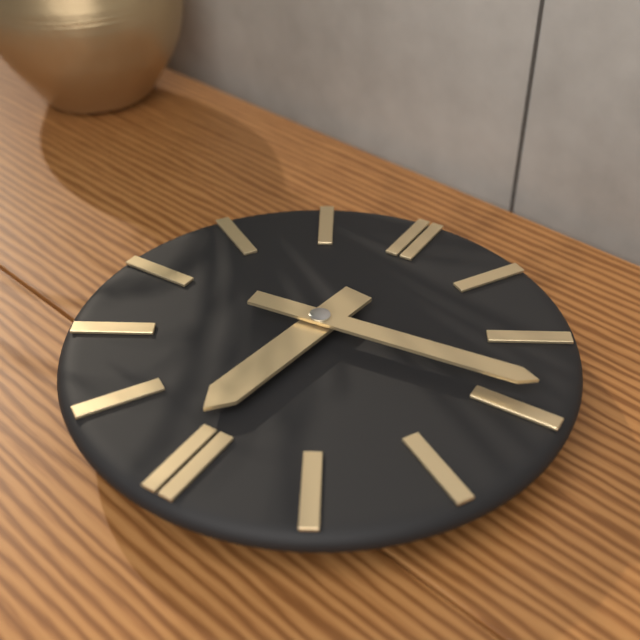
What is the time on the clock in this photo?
6:14
